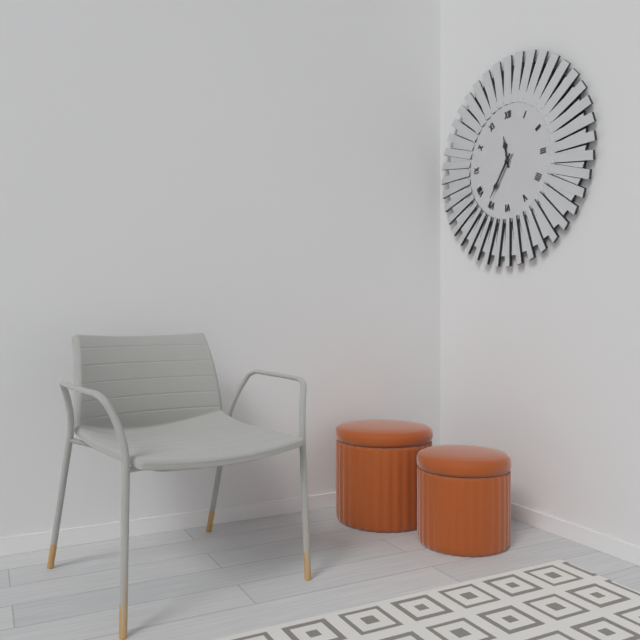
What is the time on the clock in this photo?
11:36
